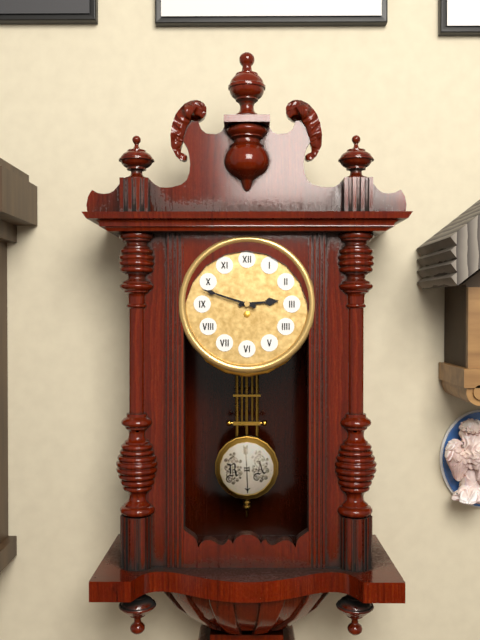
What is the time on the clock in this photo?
2:48
